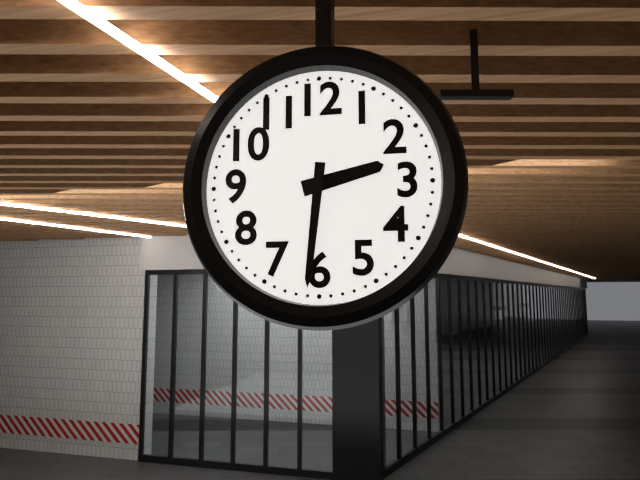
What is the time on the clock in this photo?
2:31
